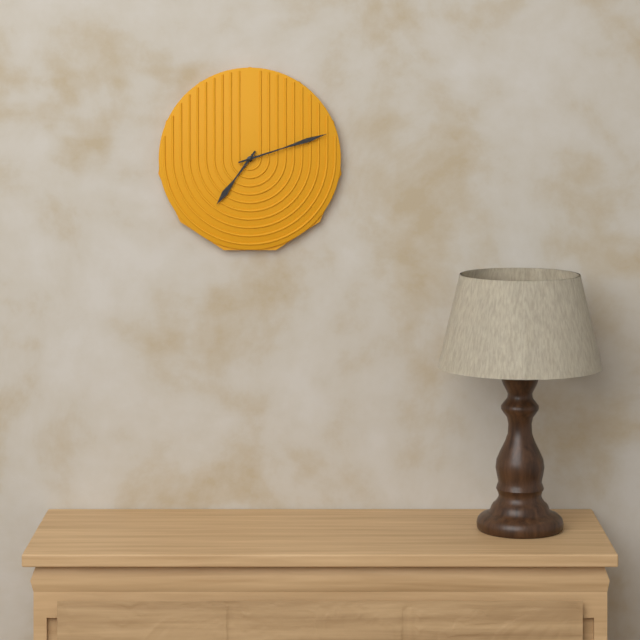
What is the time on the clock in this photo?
7:12
